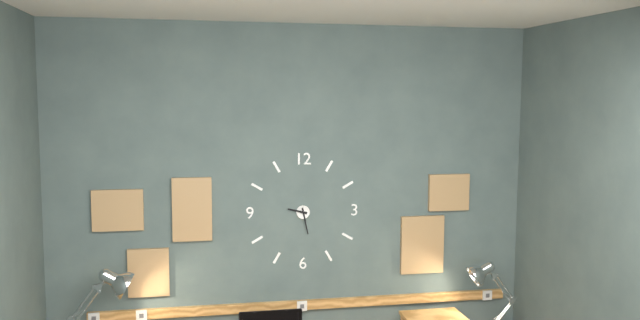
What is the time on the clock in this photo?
9:28
